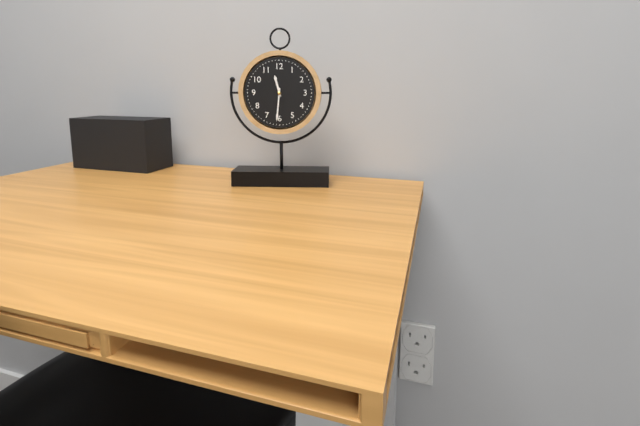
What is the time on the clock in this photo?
11:31
